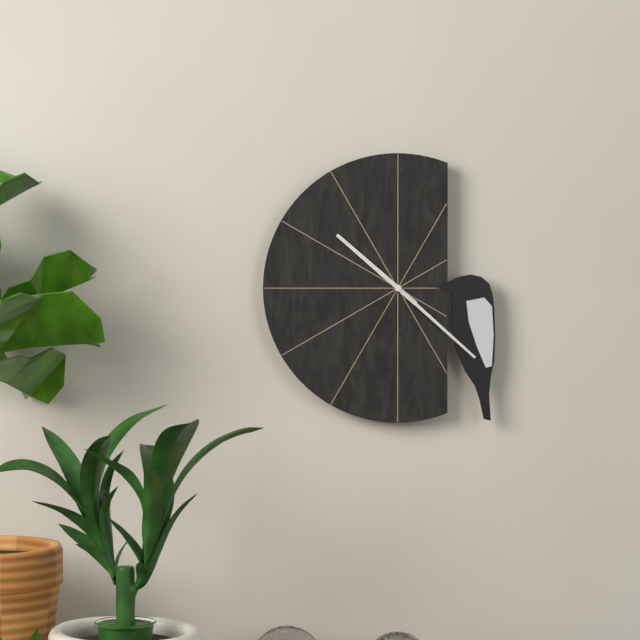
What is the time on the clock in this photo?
10:22
